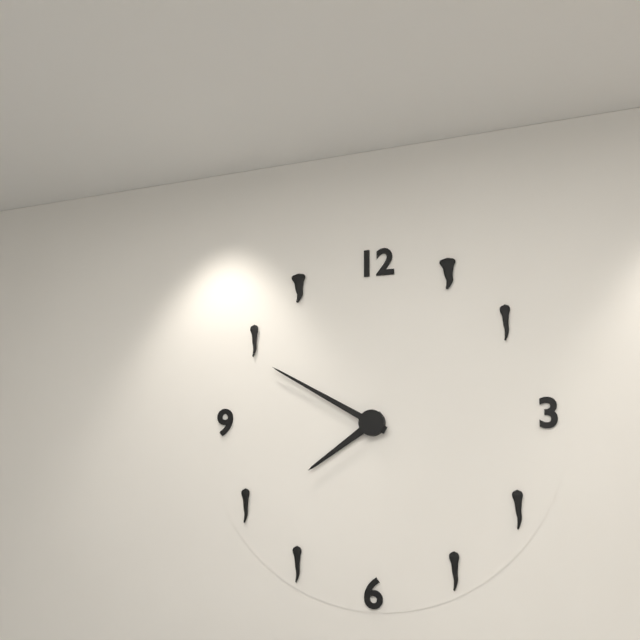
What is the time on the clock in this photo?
7:50
